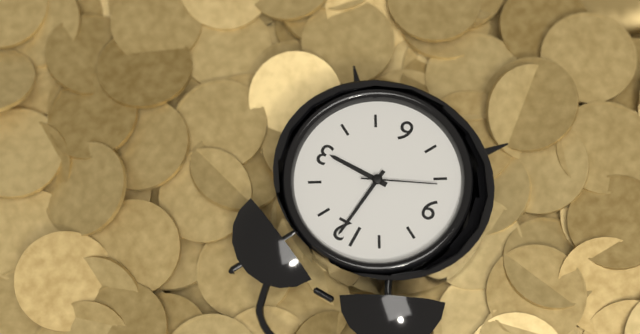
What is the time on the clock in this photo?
3:01:41
